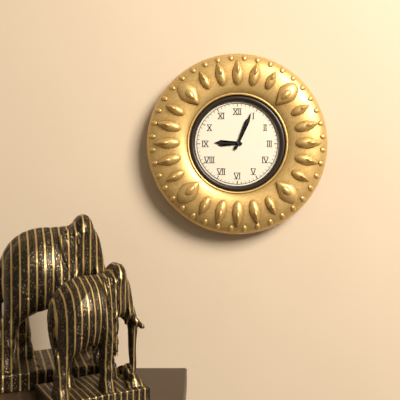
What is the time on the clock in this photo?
9:04
